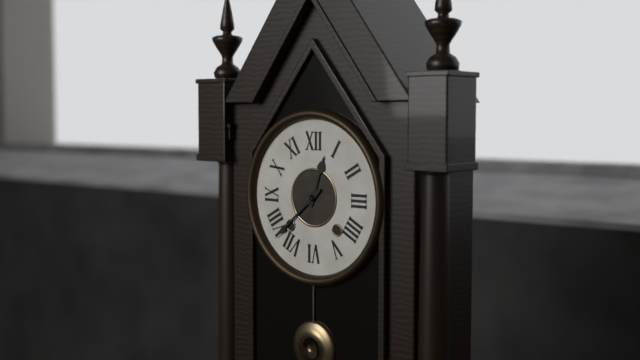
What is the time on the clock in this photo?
12:38
